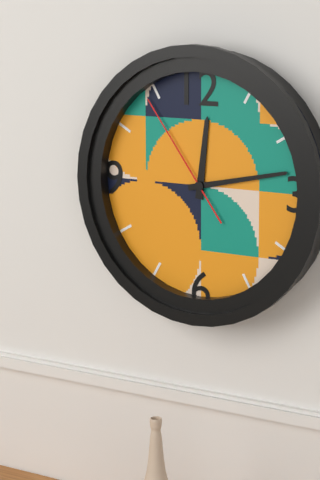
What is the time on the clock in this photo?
12:13:54
